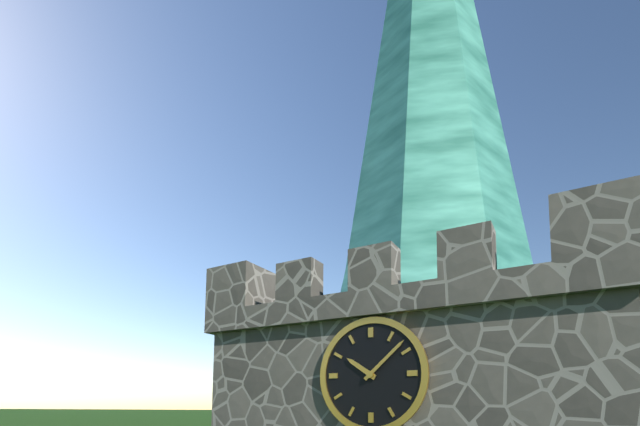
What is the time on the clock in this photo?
10:08
